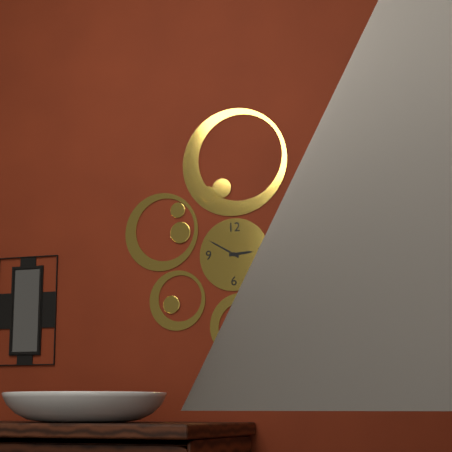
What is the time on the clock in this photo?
2:50
